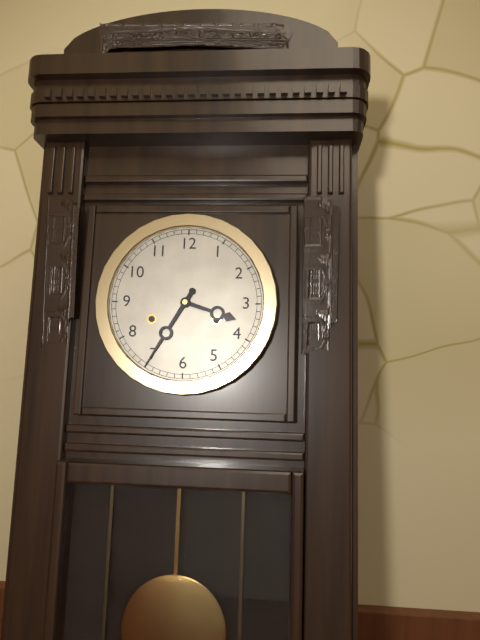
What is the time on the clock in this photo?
3:35
